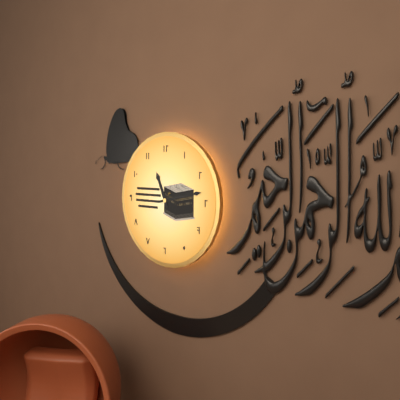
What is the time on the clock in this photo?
11:13
